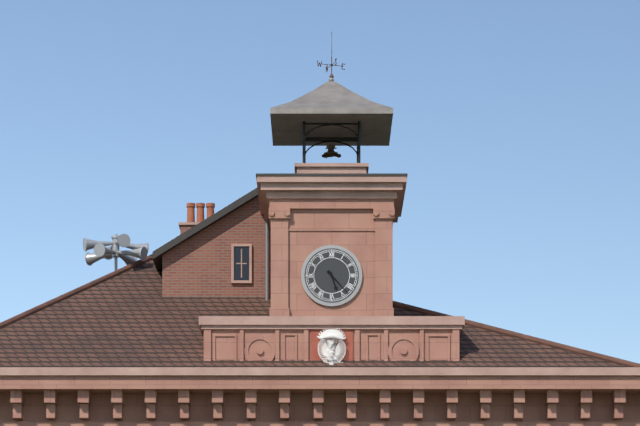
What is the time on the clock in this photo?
5:23
